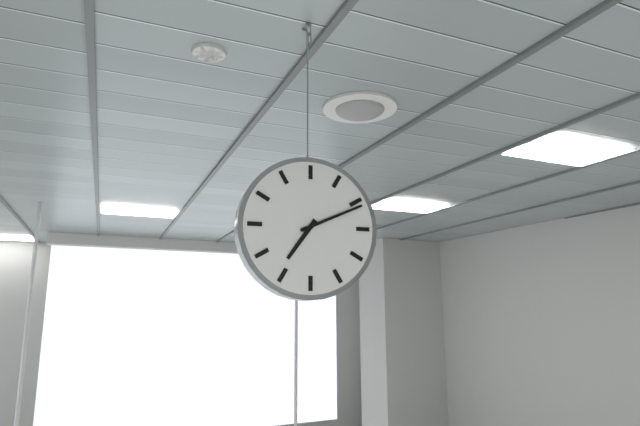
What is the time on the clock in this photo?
7:11
